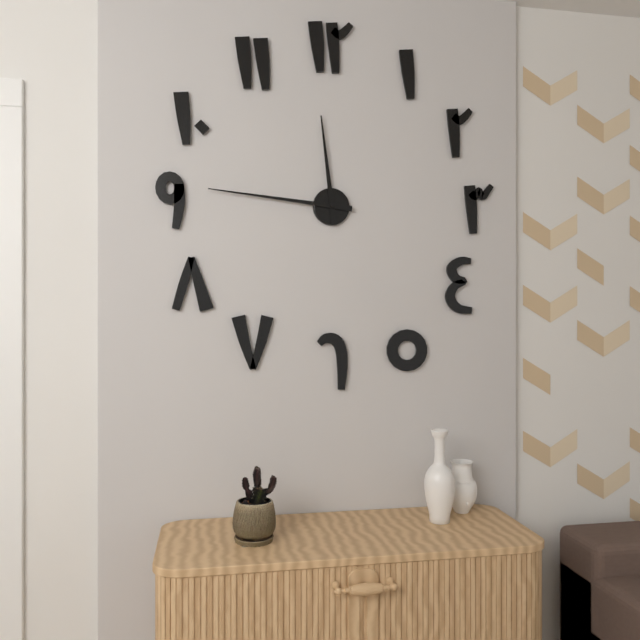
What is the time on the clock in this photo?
11:46
